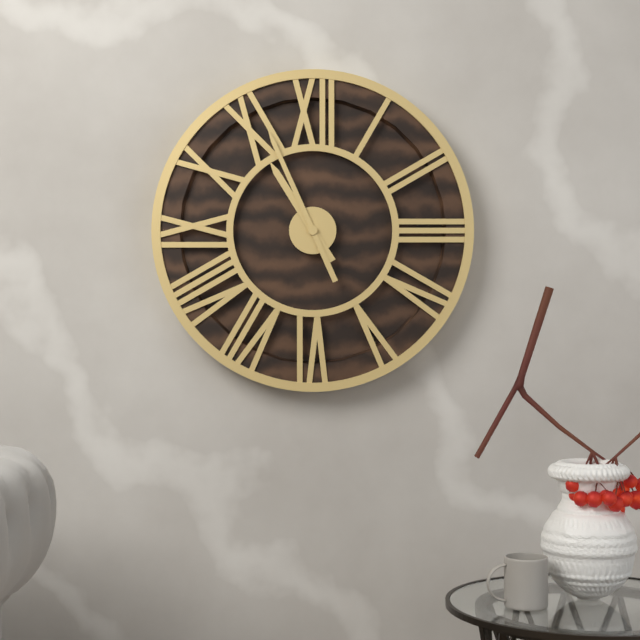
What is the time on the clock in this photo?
10:56
